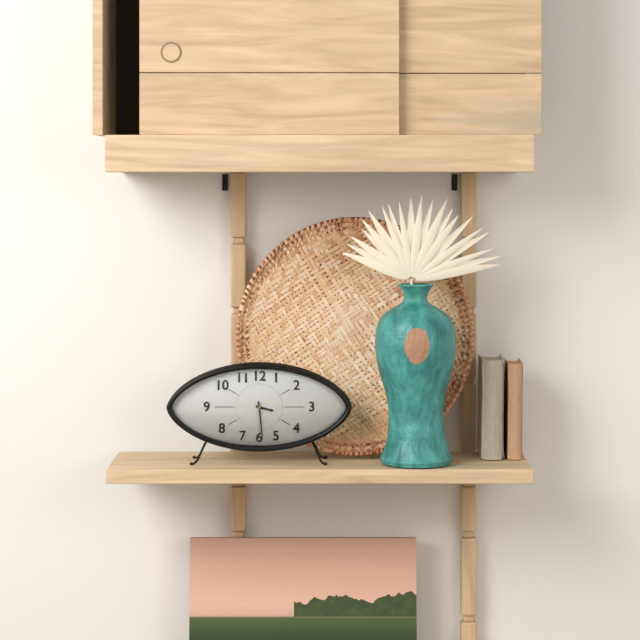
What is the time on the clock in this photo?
3:29
